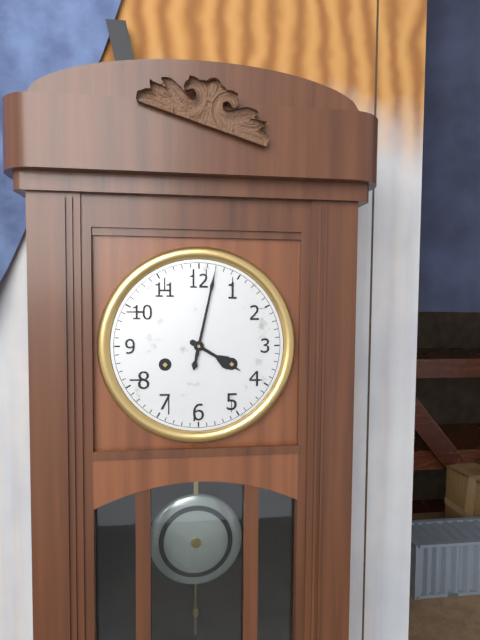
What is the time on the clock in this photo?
4:02
